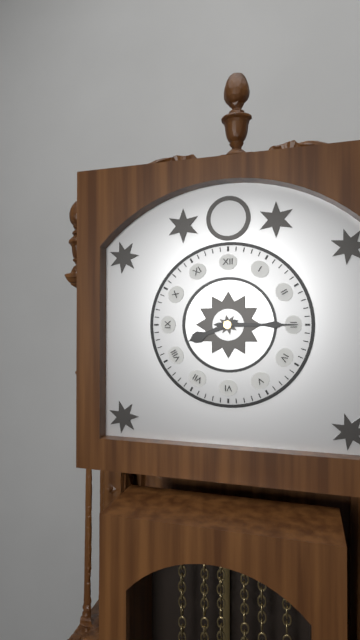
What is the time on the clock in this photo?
8:15
